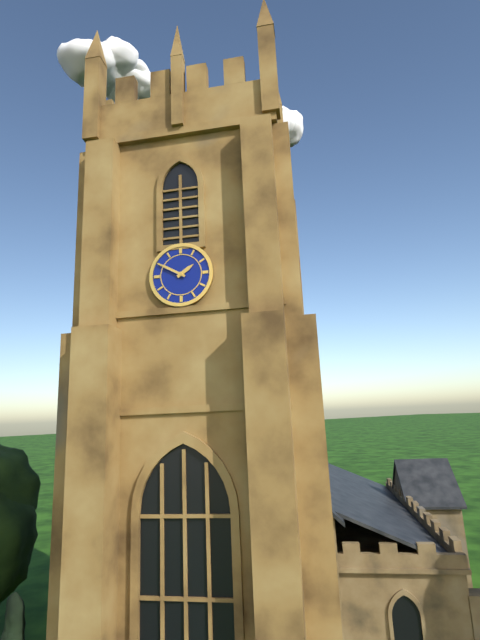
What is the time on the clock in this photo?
1:50
